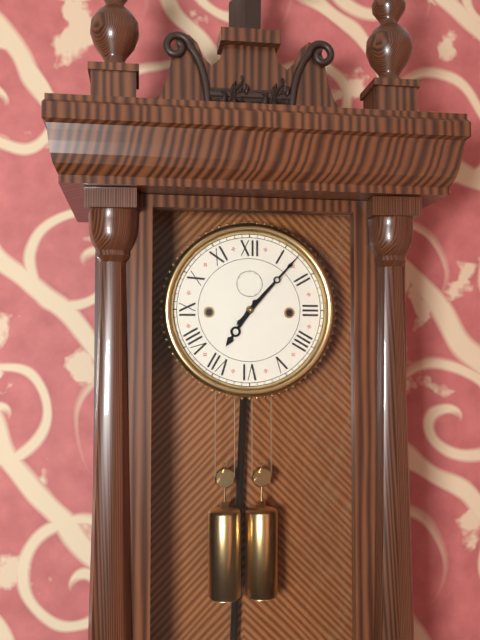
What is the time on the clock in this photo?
7:07
